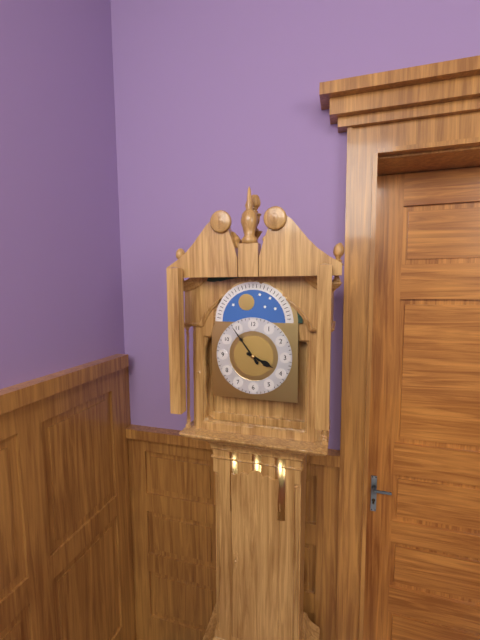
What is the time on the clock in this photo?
3:54
